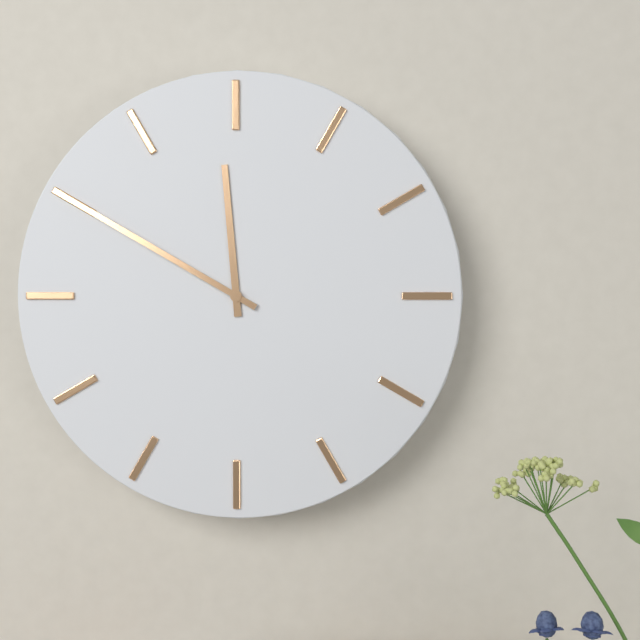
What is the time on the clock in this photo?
11:50
